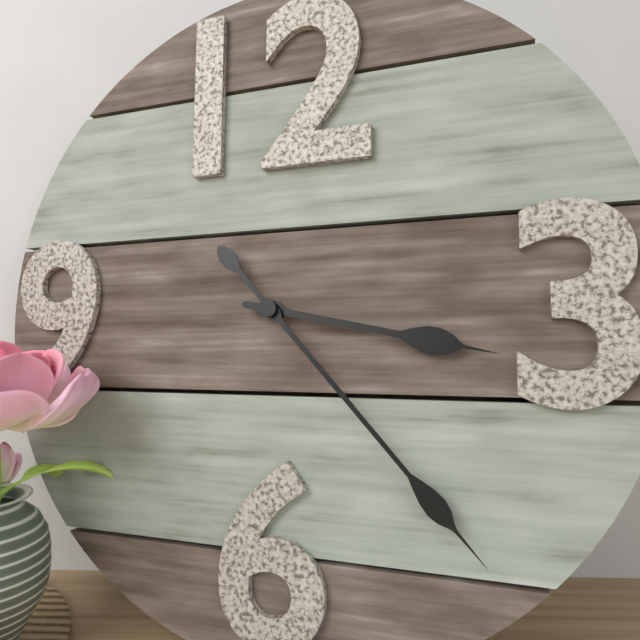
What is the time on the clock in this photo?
3:23
